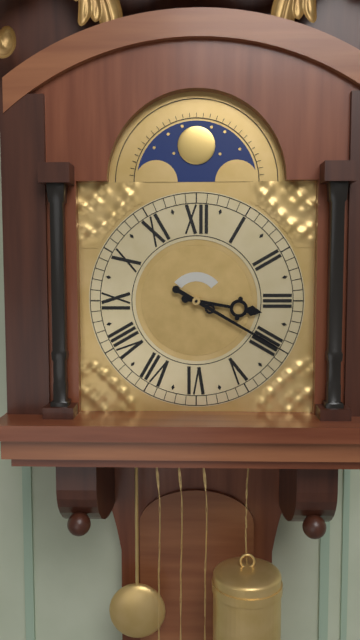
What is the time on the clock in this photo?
3:20
